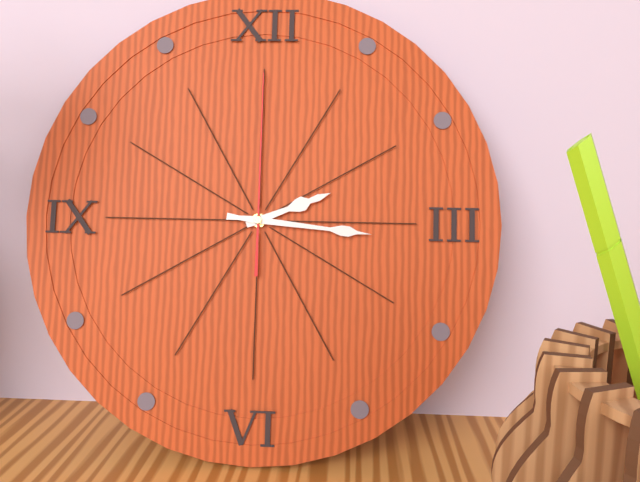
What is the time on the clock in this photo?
2:16:00
